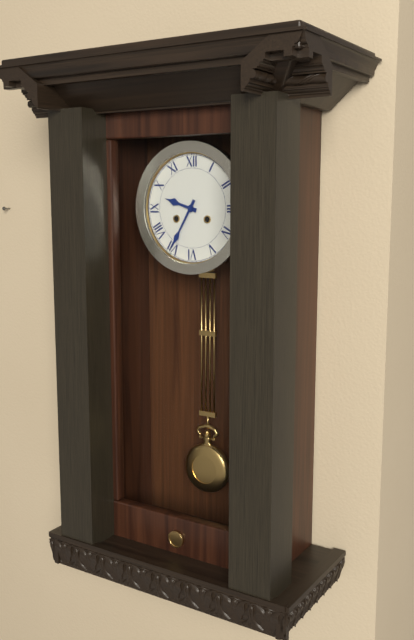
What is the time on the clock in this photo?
9:35
